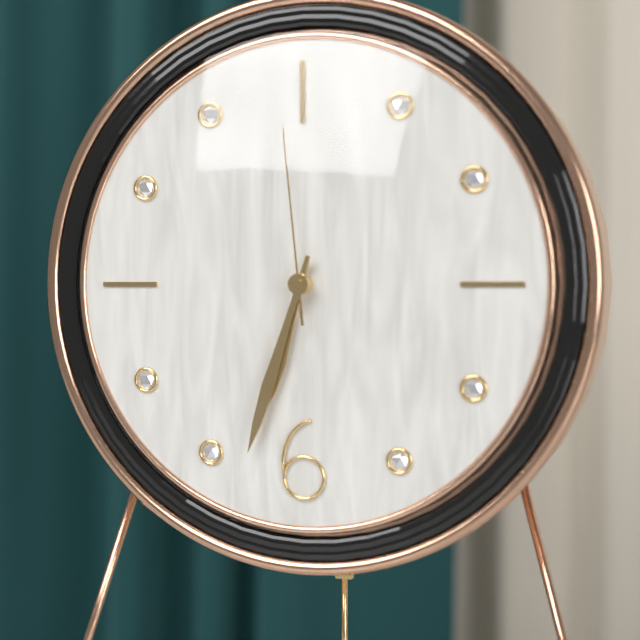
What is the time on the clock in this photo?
6:33:59
